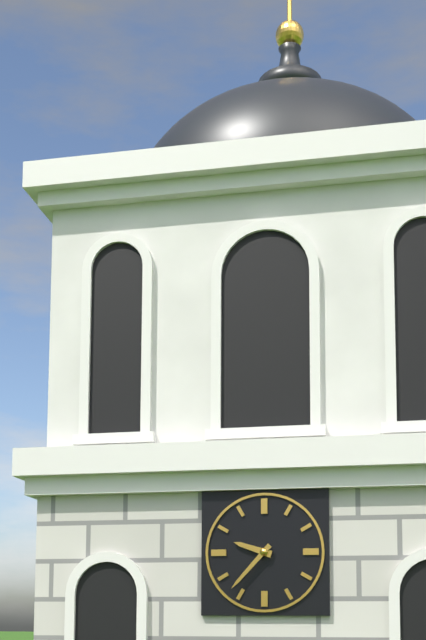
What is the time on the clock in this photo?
9:37
